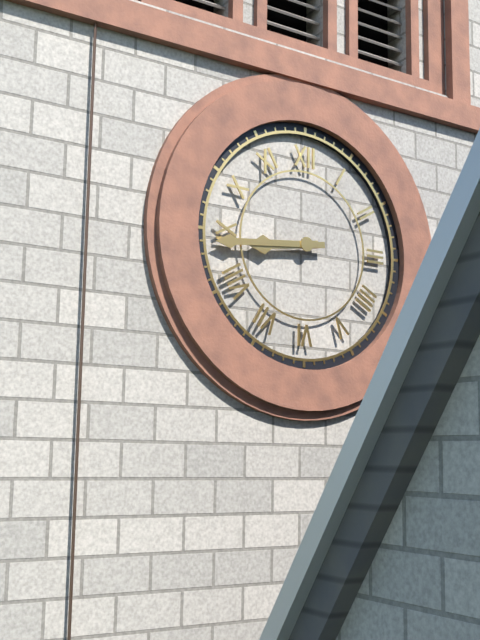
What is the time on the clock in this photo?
8:44
